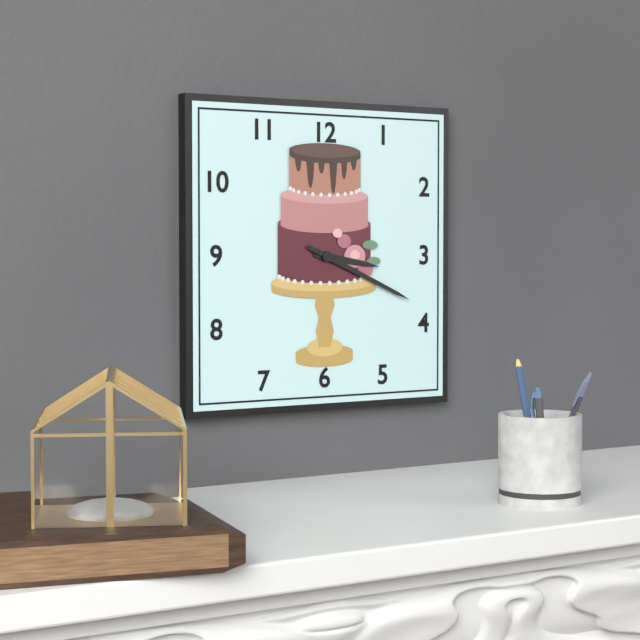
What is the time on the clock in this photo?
3:19
